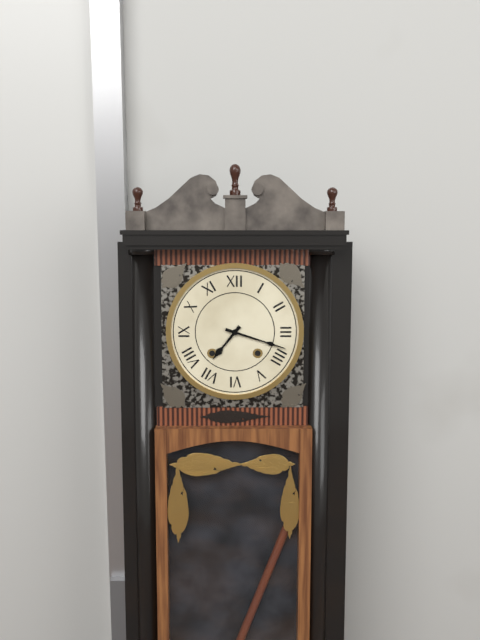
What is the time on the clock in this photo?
7:18
